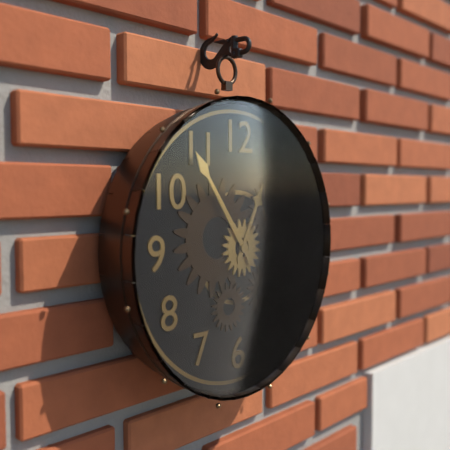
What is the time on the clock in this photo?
12:54
